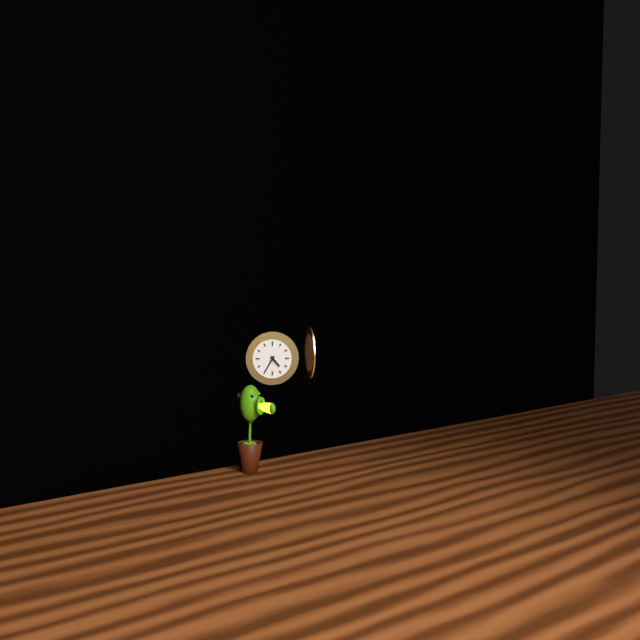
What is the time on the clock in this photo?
4:35
